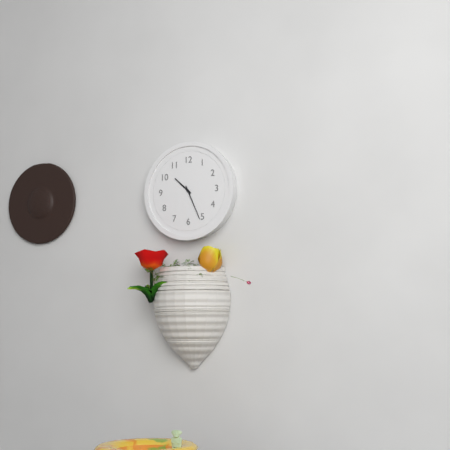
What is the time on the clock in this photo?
10:26
